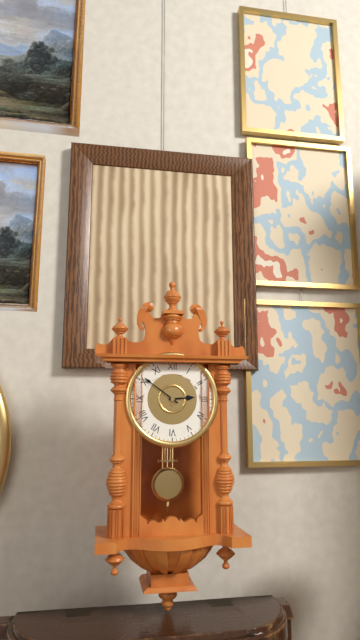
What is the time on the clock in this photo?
2:51
